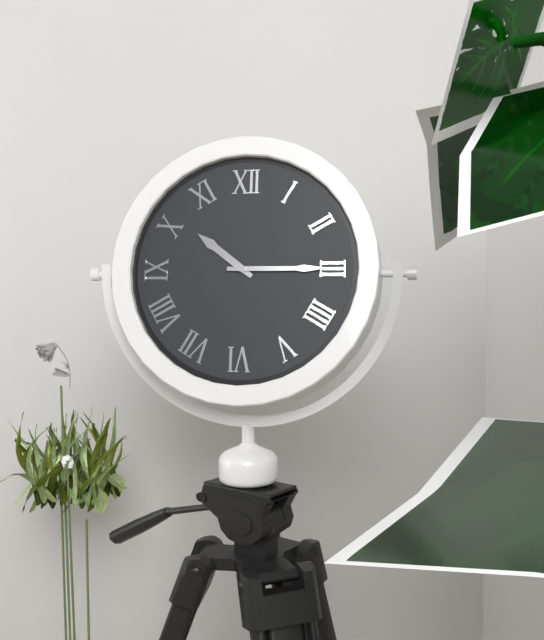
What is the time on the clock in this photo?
10:15
